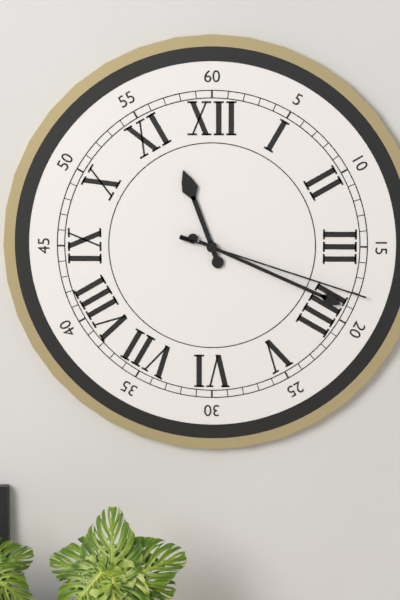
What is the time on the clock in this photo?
11:19:18
